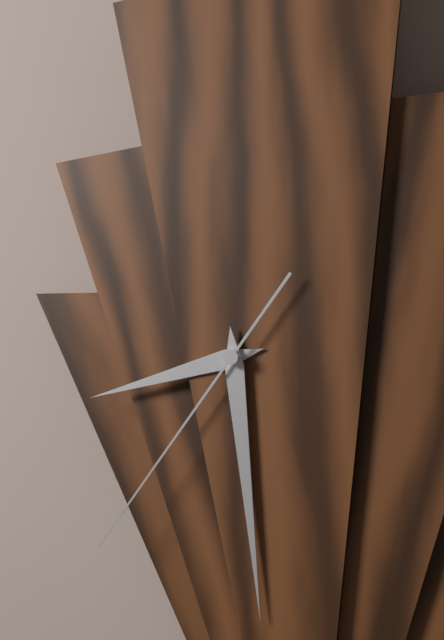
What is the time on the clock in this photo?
8:29:36
